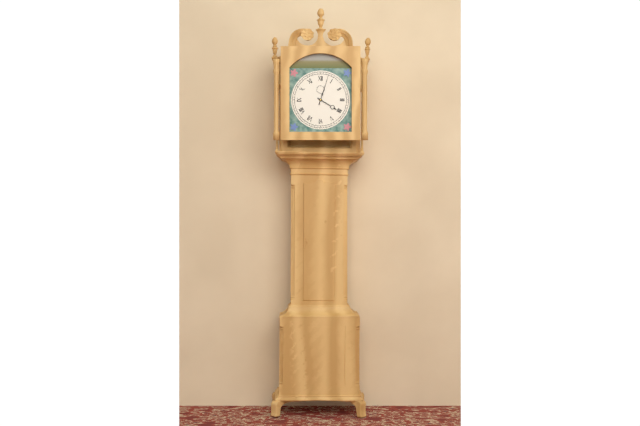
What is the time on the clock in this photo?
4:03
